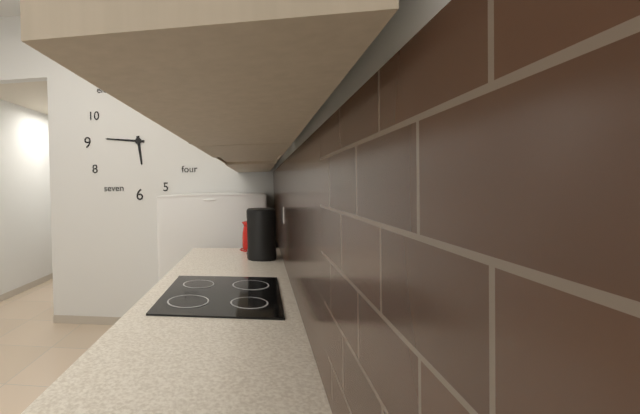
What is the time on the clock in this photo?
5:46
